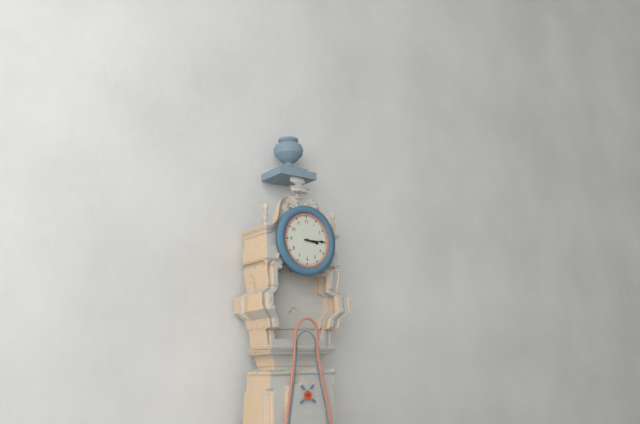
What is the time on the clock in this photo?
3:15
